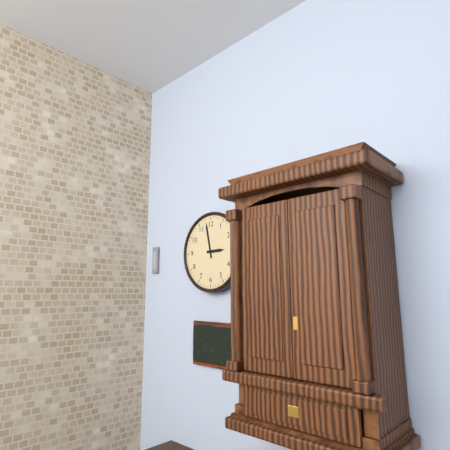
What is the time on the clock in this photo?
2:58
